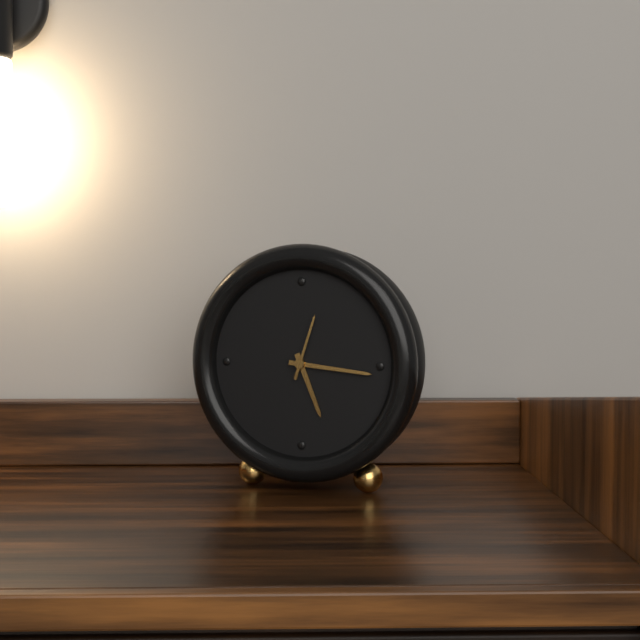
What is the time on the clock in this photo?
5:16:03
